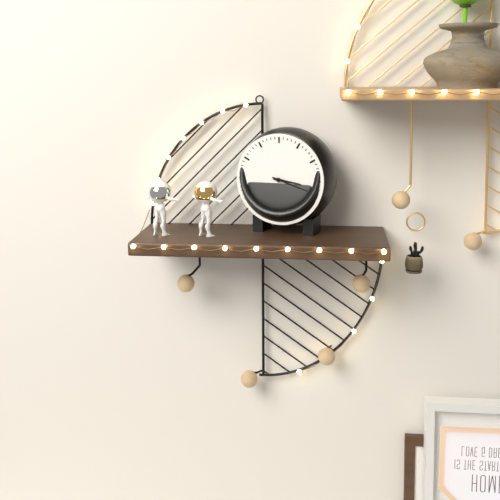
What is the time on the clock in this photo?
3:18
